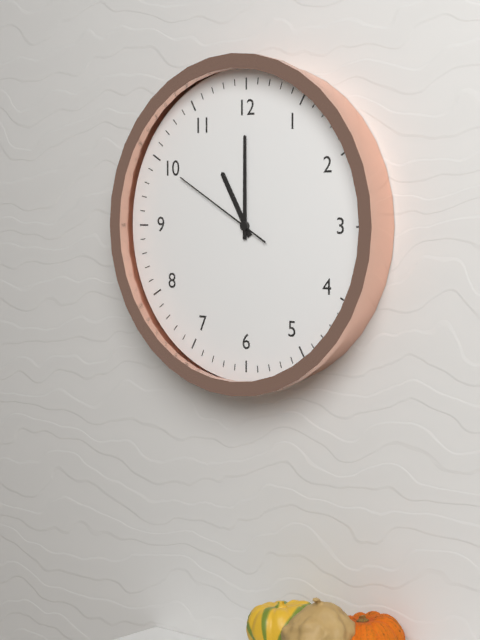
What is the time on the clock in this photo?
11:00:50
